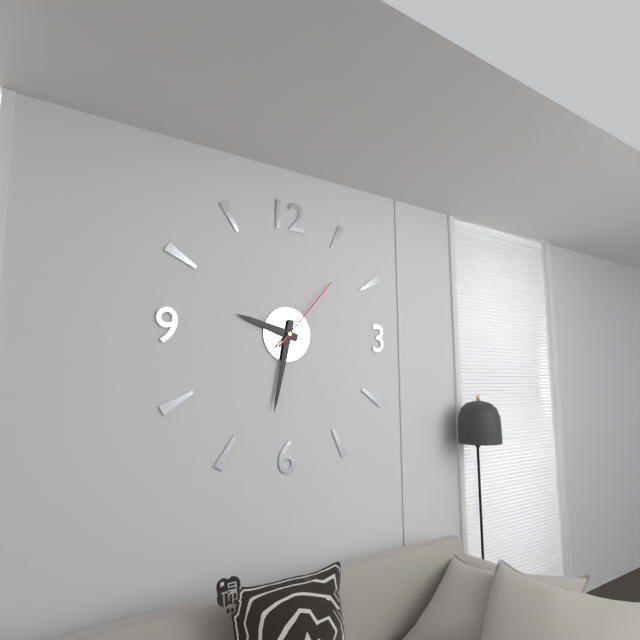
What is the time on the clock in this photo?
9:32:07
